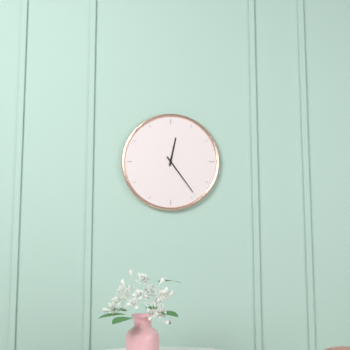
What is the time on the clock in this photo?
12:24
